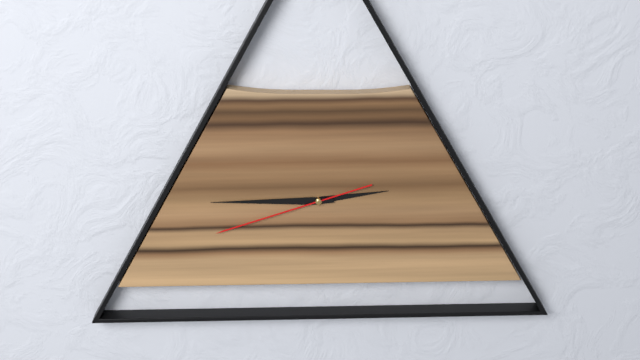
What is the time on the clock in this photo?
2:45:42
